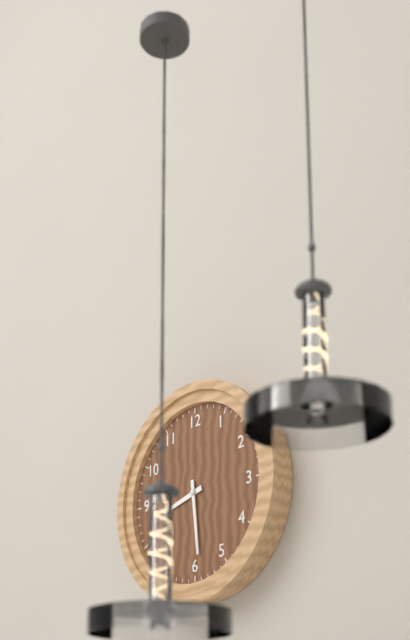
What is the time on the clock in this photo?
8:29
